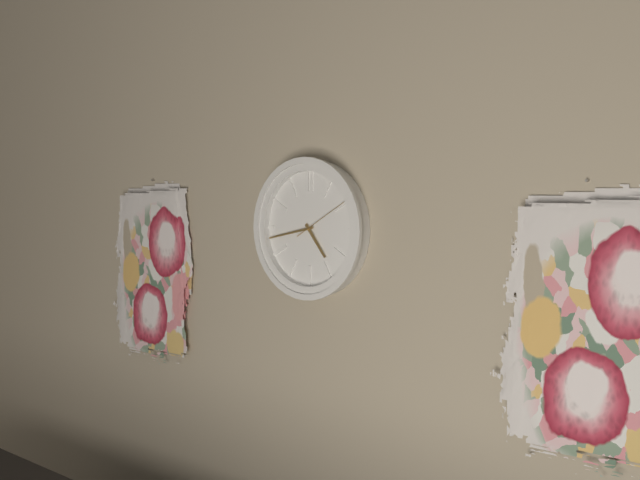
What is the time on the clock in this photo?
4:43:10
